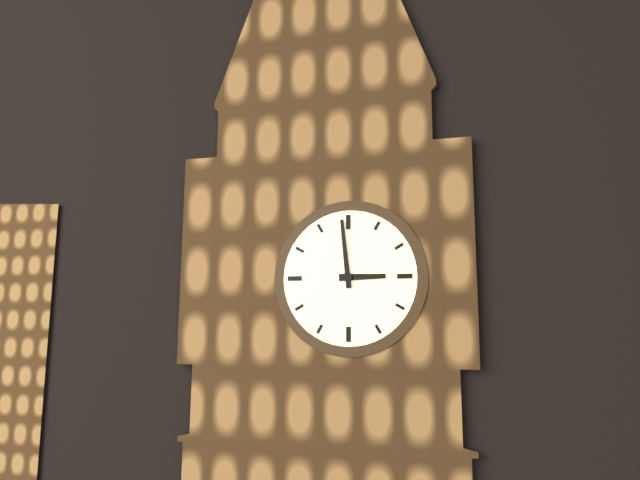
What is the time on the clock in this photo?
2:59
